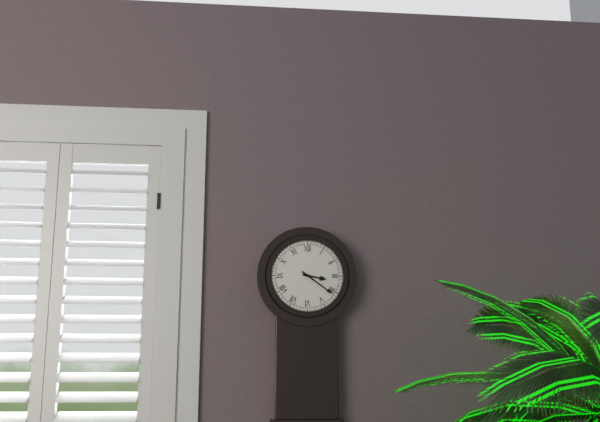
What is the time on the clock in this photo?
3:21
